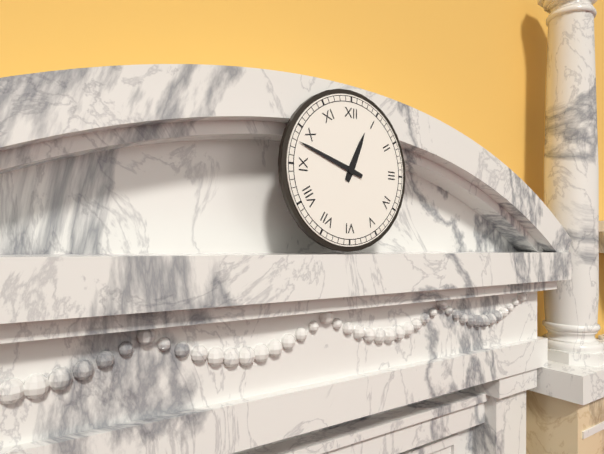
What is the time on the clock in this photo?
12:48
